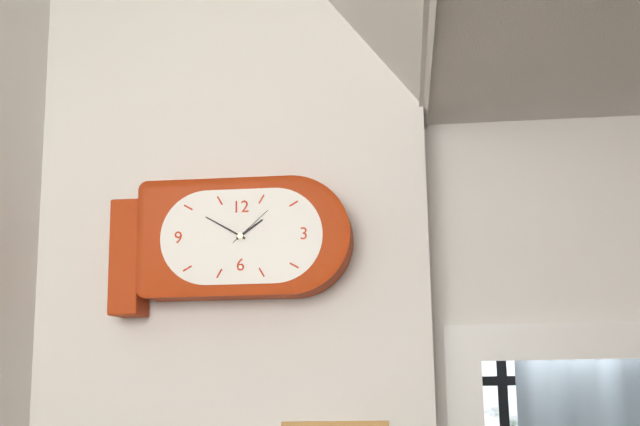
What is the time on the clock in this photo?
1:50
